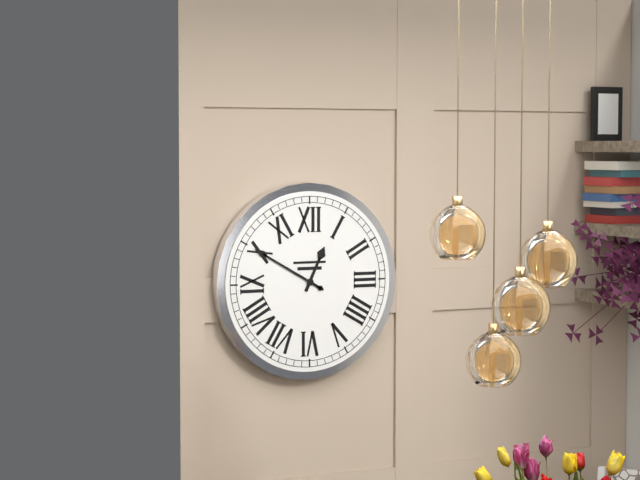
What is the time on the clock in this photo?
12:50
